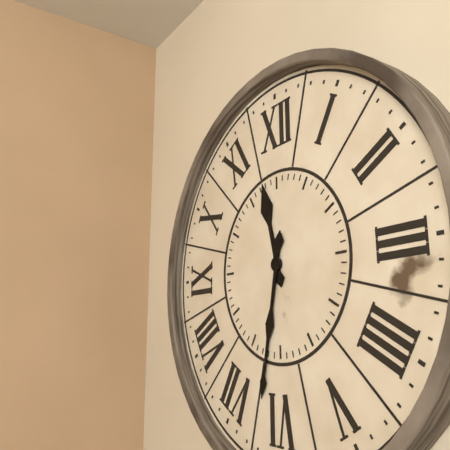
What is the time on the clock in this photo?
11:32
